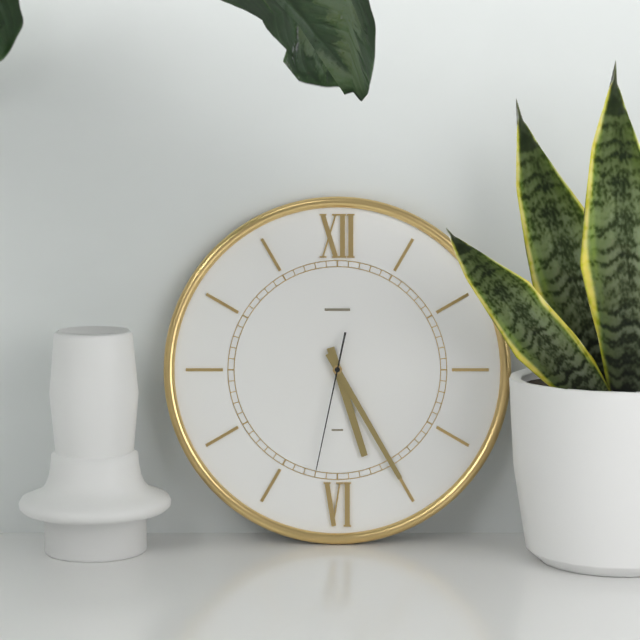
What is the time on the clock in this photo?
5:25:32
